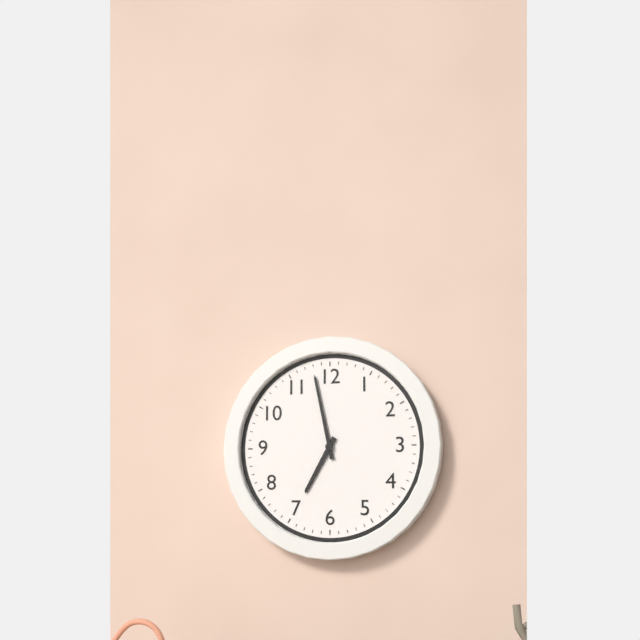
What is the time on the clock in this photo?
6:58
